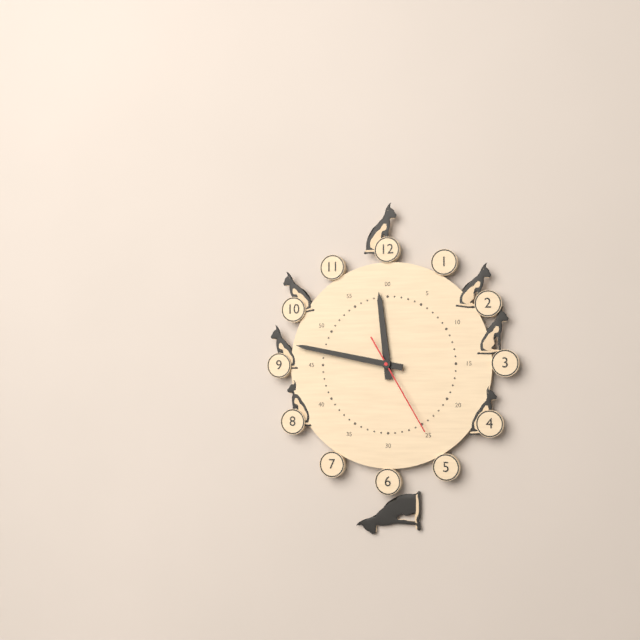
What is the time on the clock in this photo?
11:47:25
